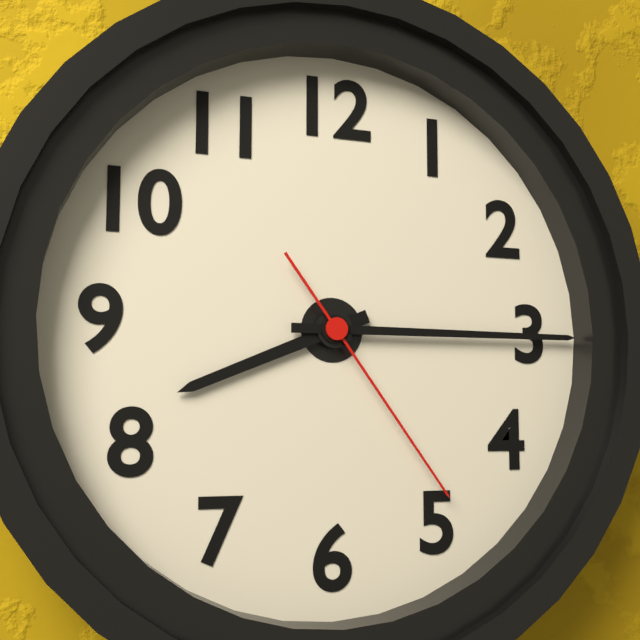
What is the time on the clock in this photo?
8:15:24
